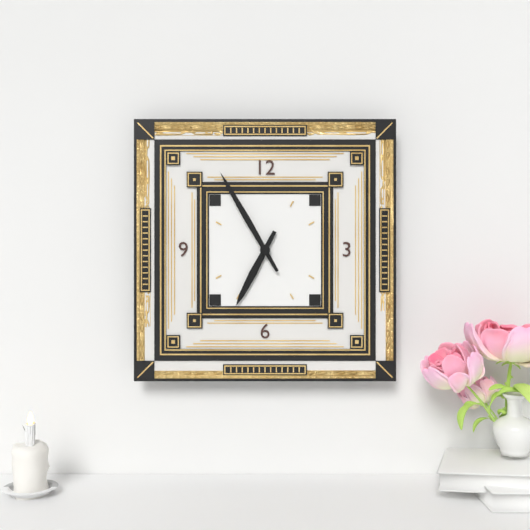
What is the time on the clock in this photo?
6:55
